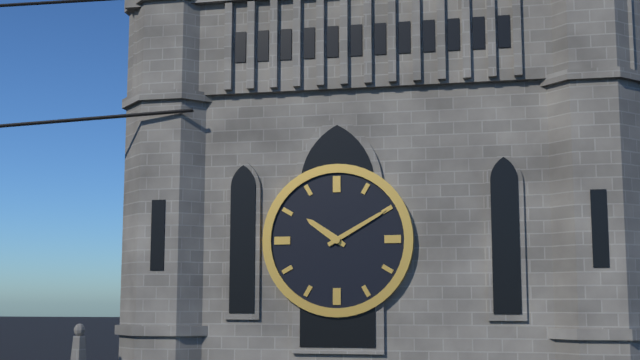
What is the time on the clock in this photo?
10:10
